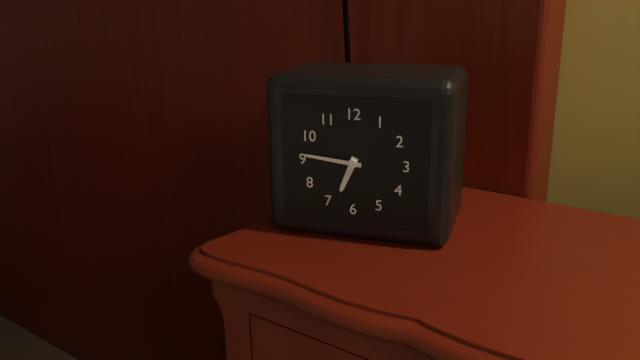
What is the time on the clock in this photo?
6:46
